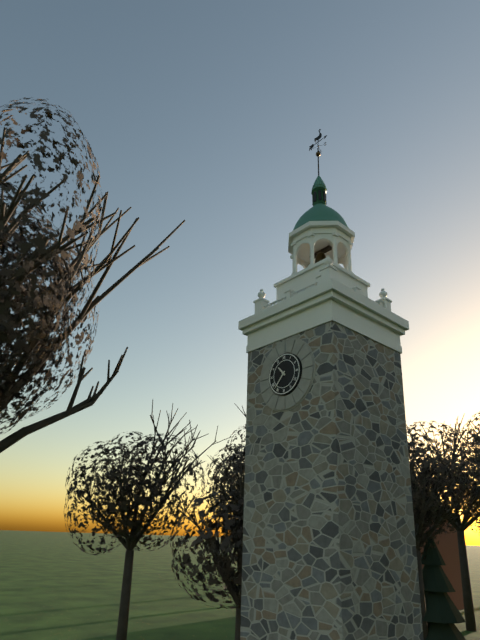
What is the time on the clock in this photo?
10:37
